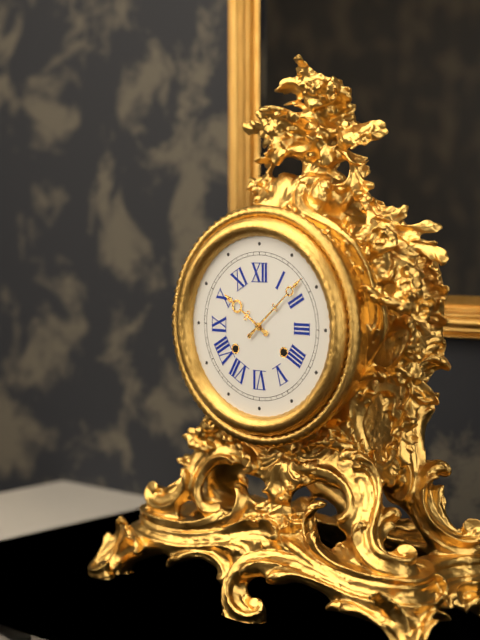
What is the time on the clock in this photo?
10:08
